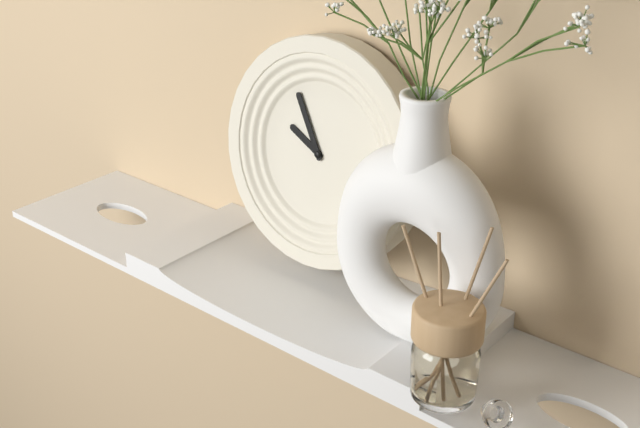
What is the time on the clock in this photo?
9:55
